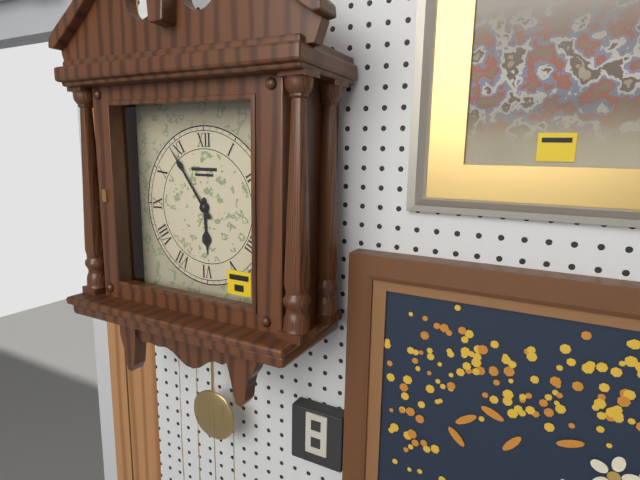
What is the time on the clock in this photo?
5:54
